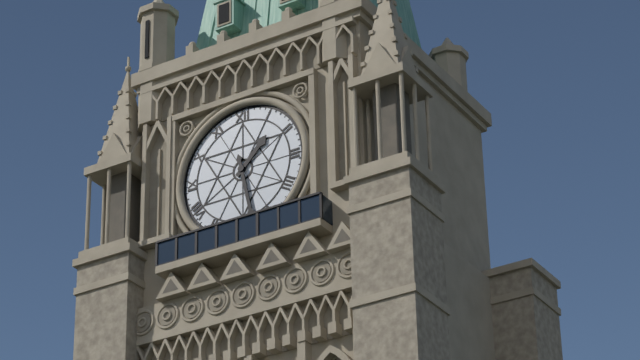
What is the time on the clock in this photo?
1:28
